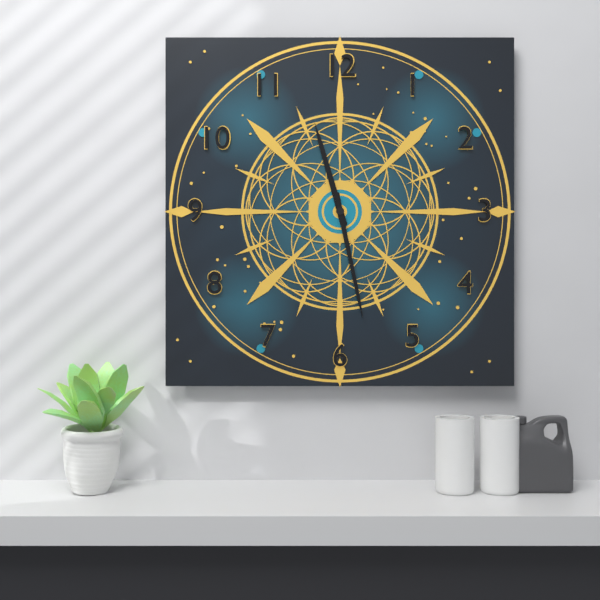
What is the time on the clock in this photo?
11:28
